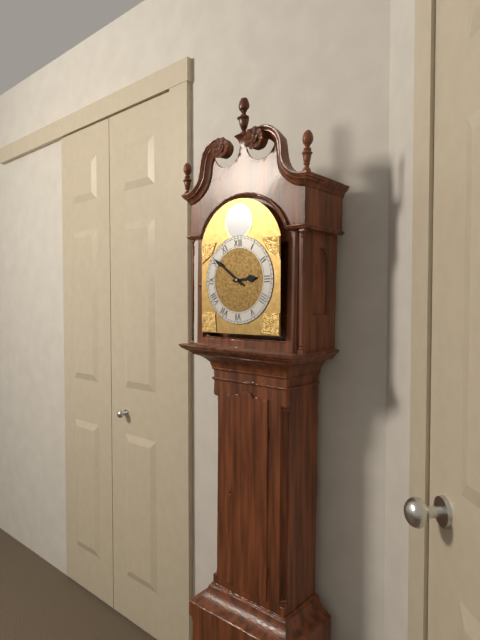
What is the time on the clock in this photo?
2:51
